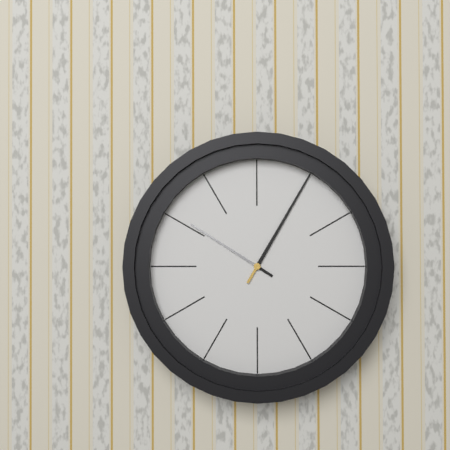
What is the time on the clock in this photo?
10:05
